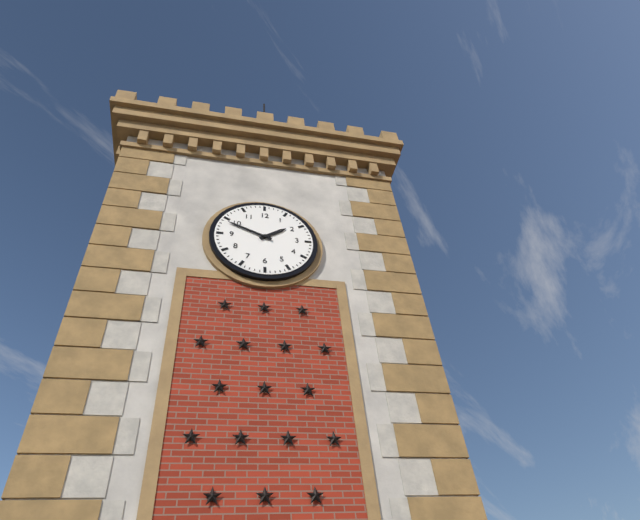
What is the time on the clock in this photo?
1:49
